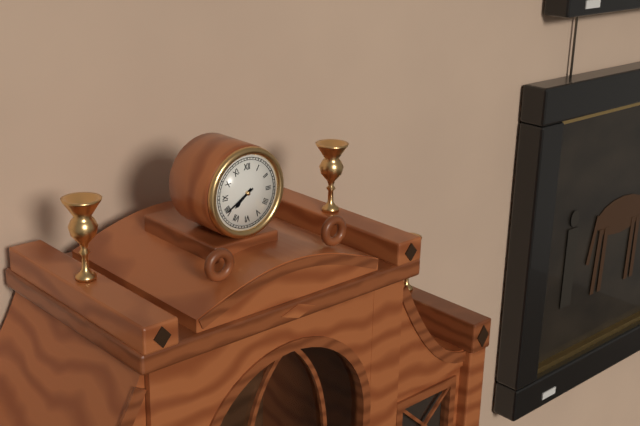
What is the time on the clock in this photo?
7:40
